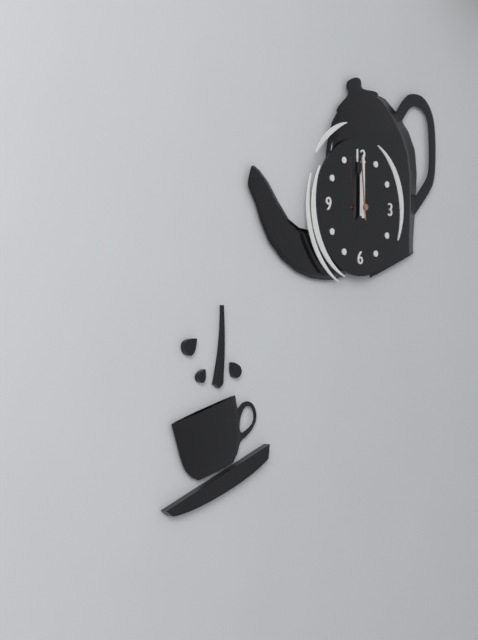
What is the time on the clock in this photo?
12:00:59
